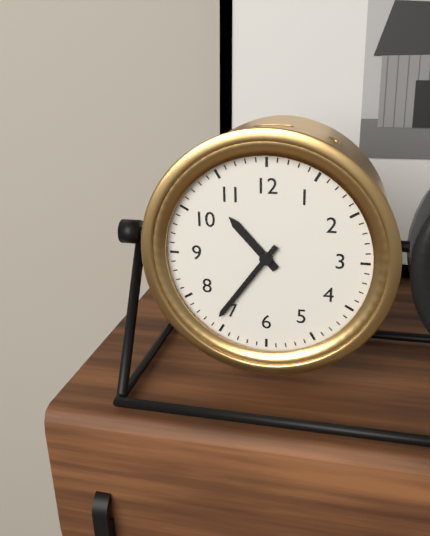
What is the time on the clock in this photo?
10:36
